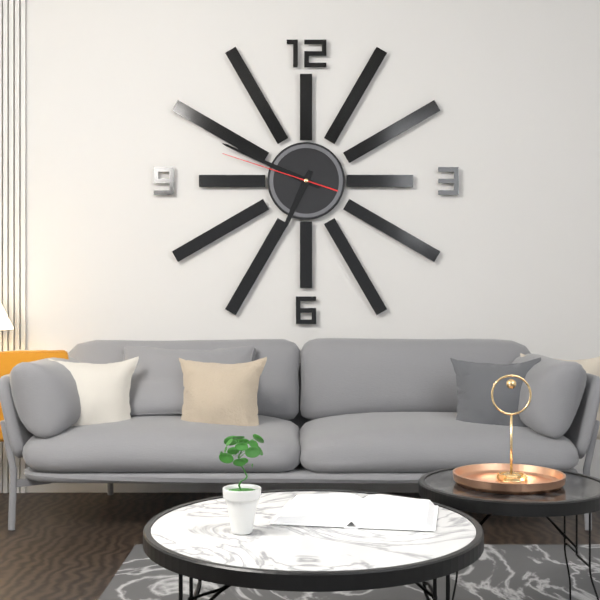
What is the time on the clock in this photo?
6:49:48
